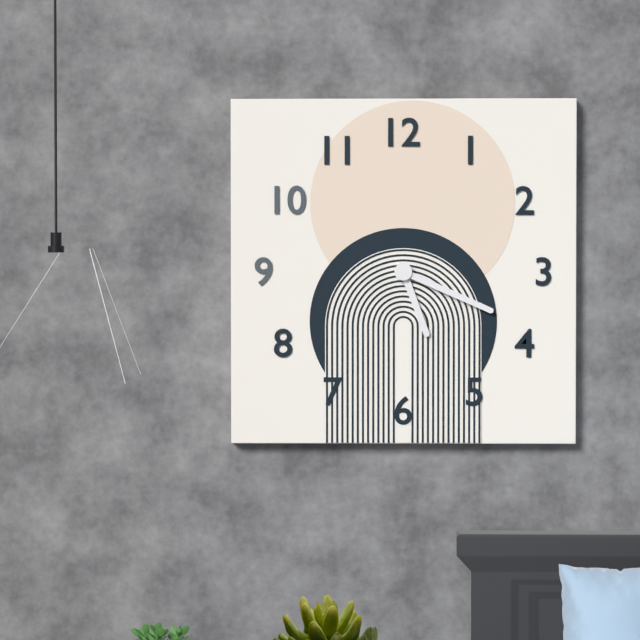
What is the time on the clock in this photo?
5:19
